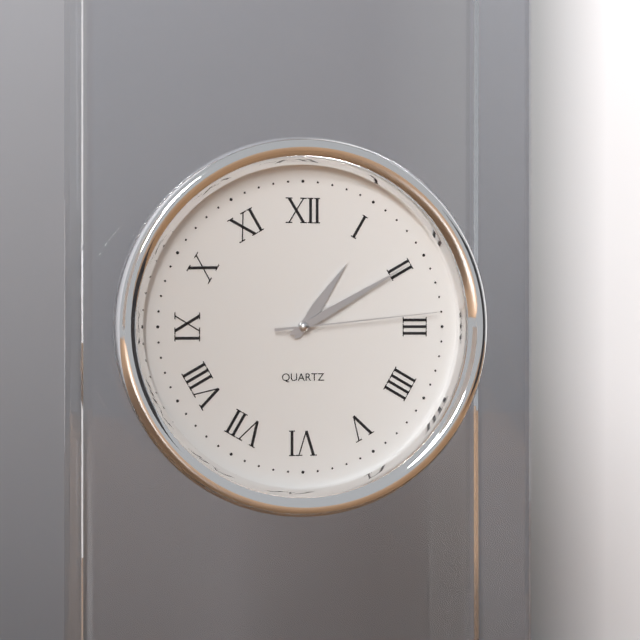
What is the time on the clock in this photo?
1:10:14
